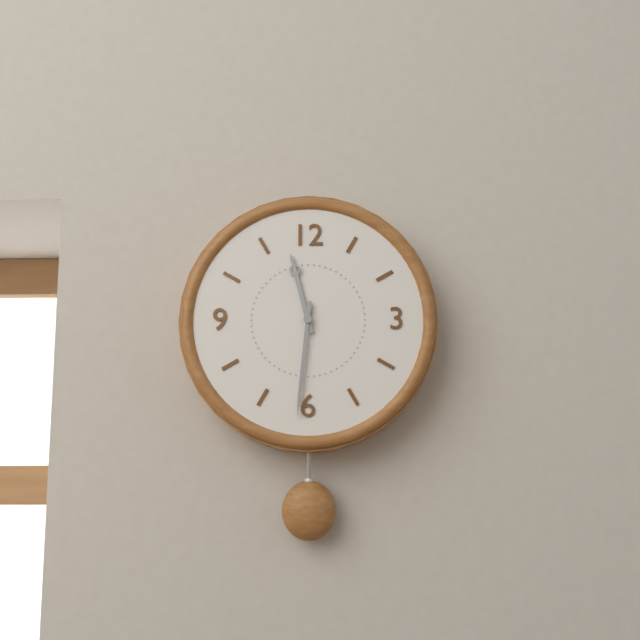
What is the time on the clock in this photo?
11:31
